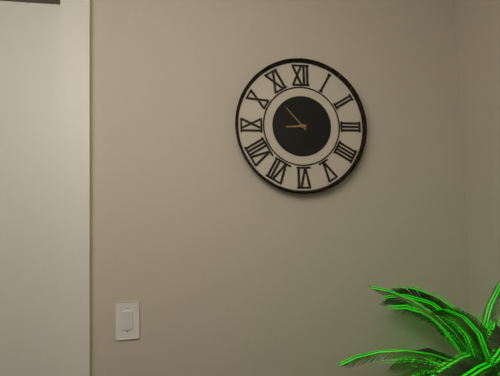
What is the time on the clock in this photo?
8:53
